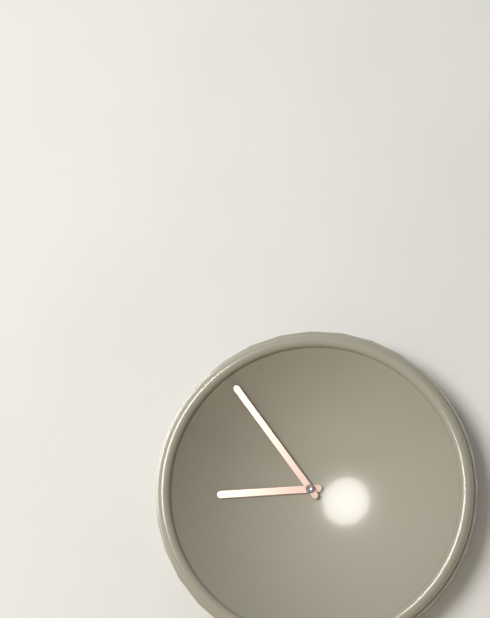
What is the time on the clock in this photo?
8:54
